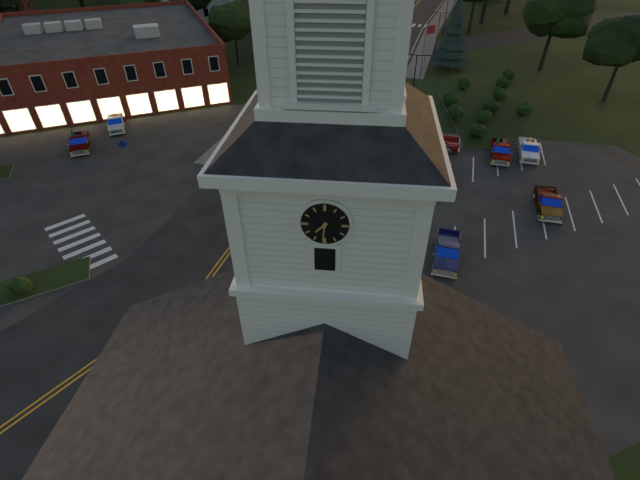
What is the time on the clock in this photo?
7:31
